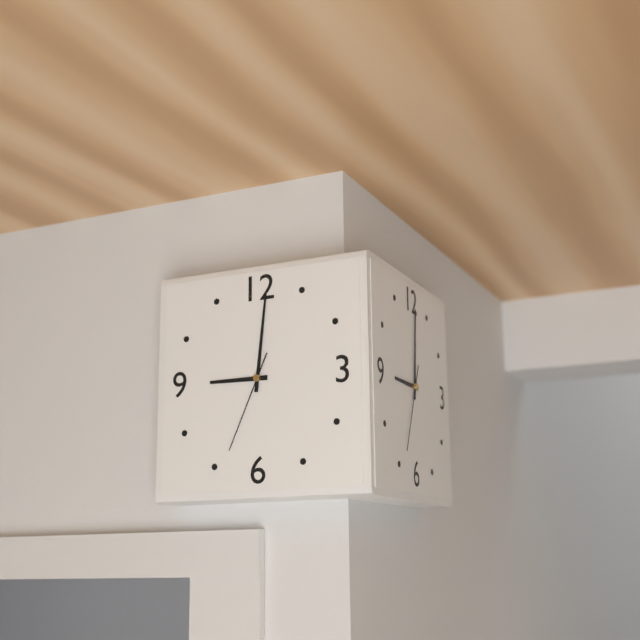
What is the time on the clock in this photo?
9:01:34
